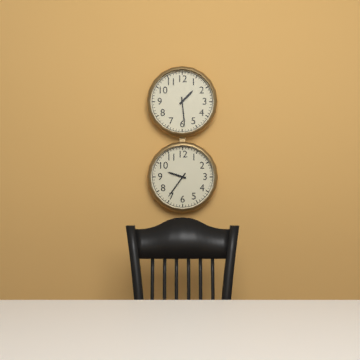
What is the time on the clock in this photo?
1:29
